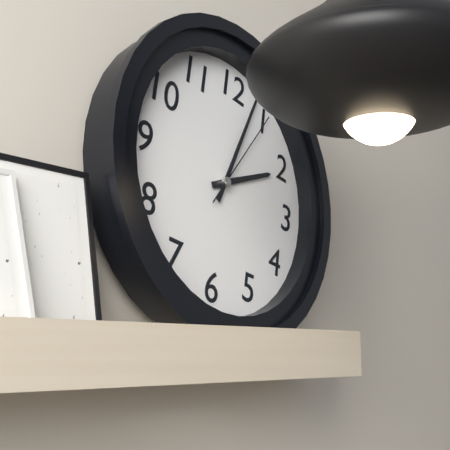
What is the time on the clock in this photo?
2:03:05
